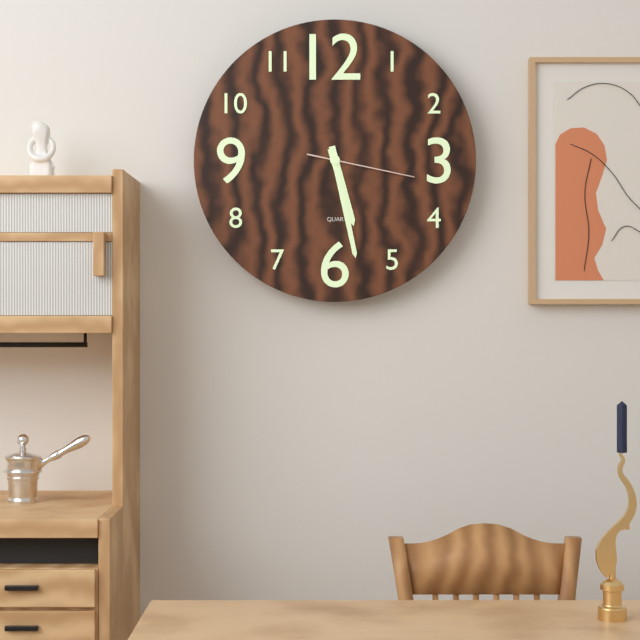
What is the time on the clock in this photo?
5:28:17
